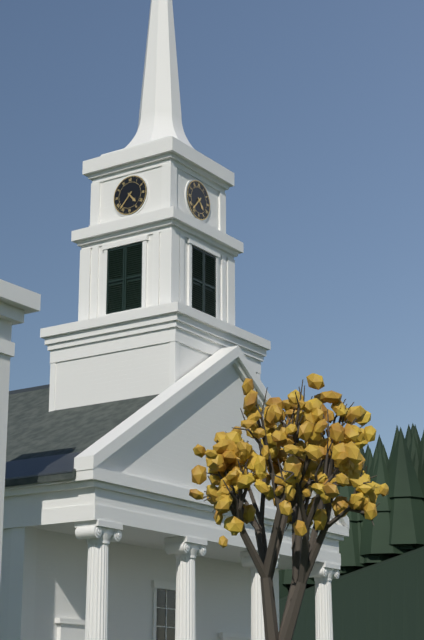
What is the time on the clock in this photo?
4:37
